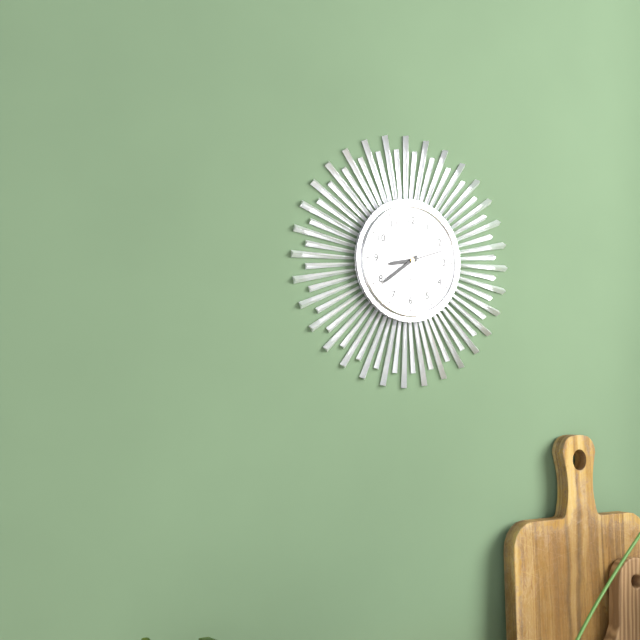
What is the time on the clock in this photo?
8:39
